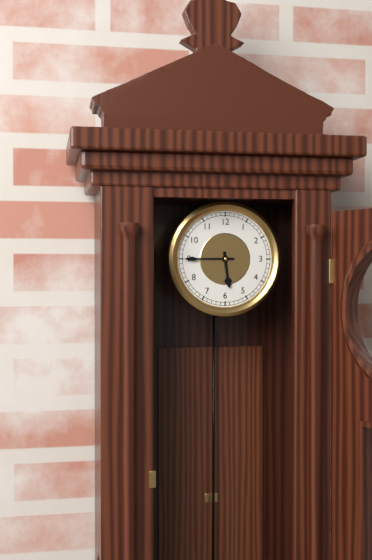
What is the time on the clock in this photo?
5:45
